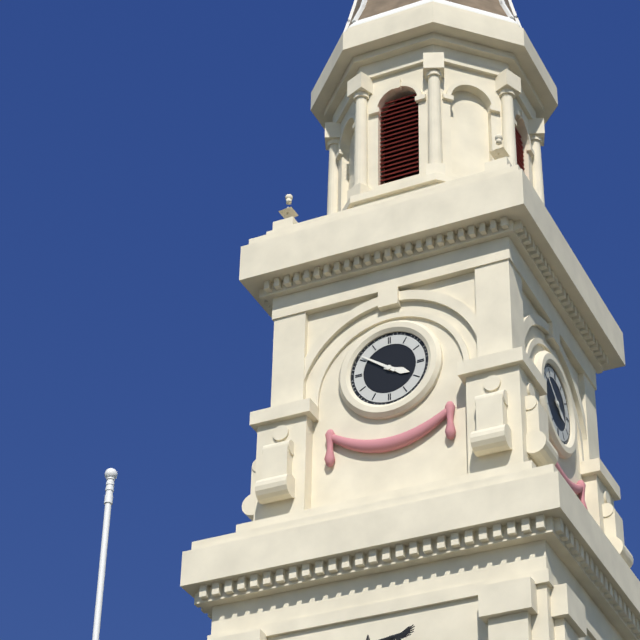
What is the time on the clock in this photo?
3:51
